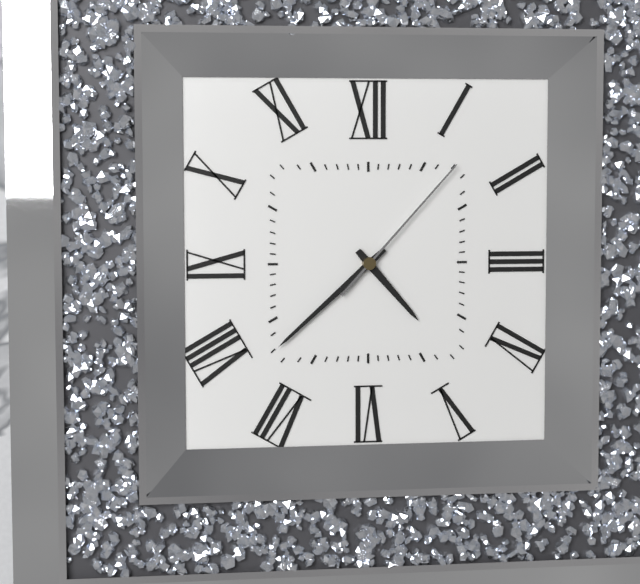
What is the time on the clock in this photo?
4:38:07
